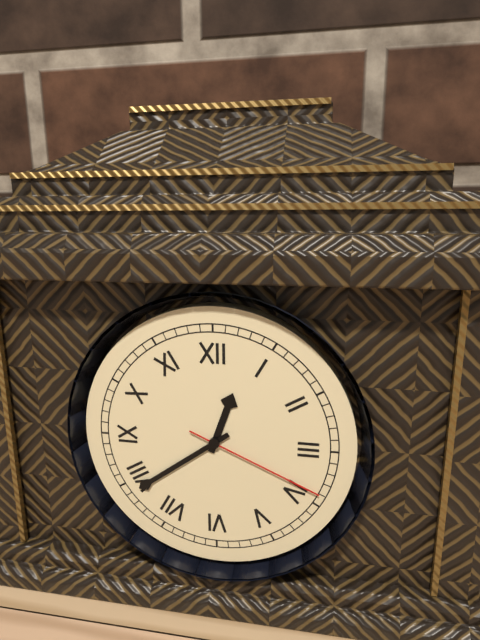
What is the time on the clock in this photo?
12:39:19
